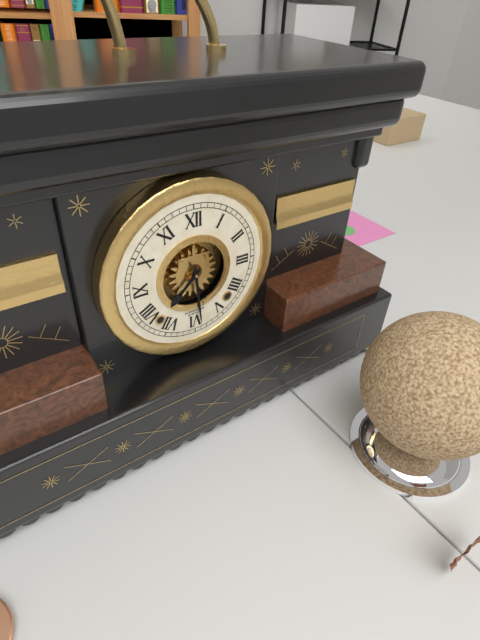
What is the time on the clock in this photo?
7:29
